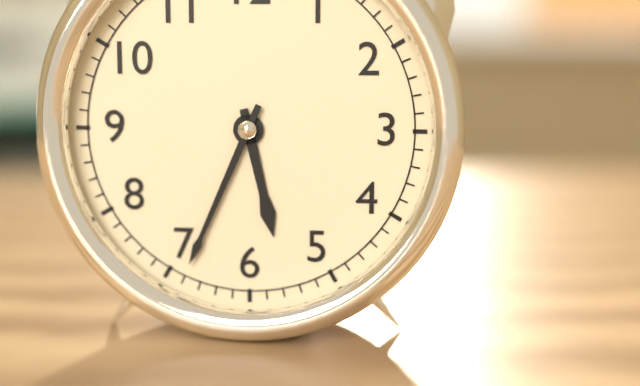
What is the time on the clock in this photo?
5:34
